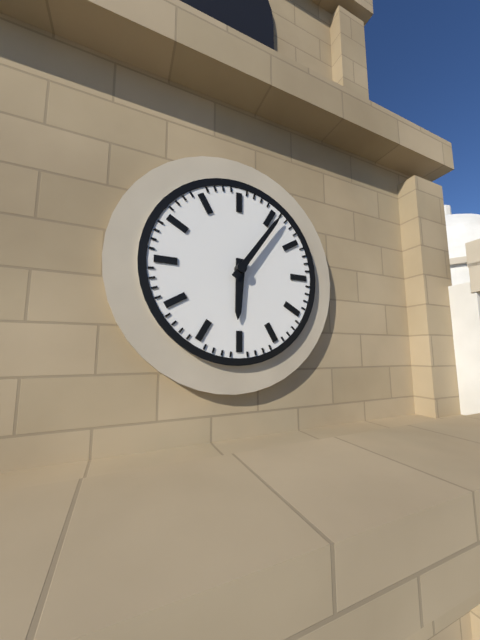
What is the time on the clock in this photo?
6:06
